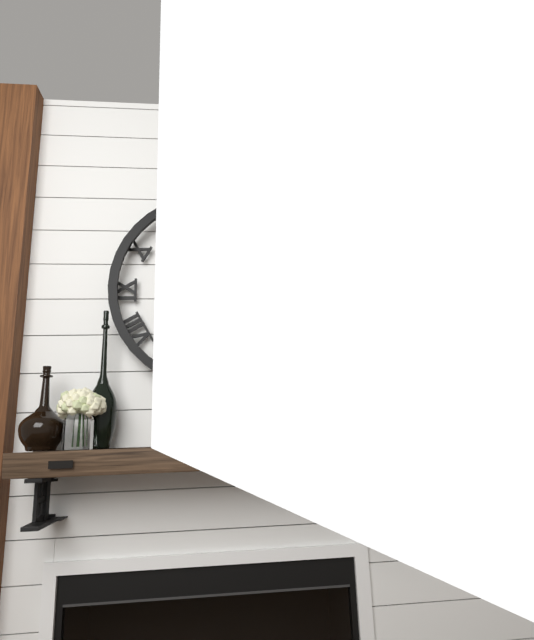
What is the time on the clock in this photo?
6:31
